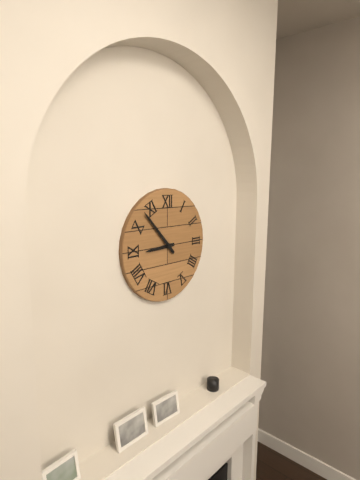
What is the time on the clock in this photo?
8:53
